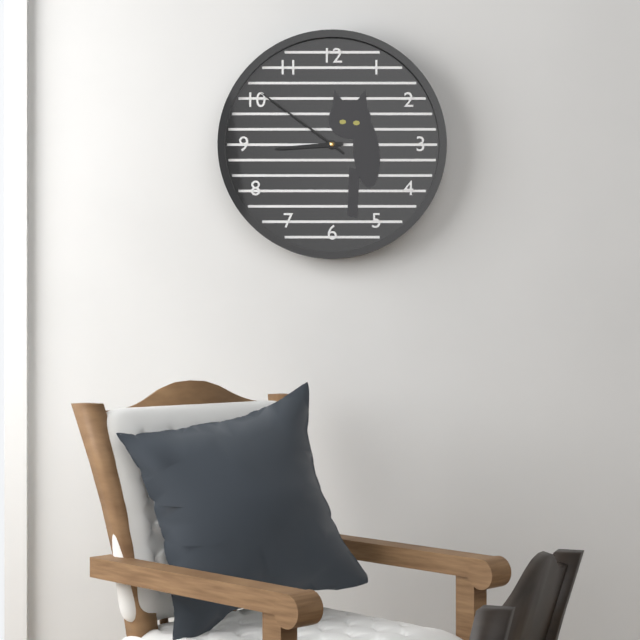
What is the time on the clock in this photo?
8:51
